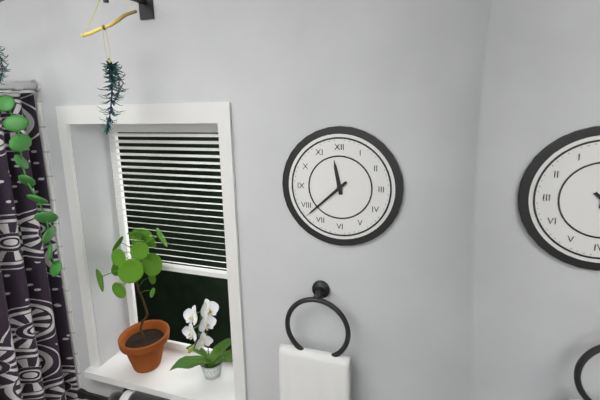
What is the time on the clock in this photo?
11:38
